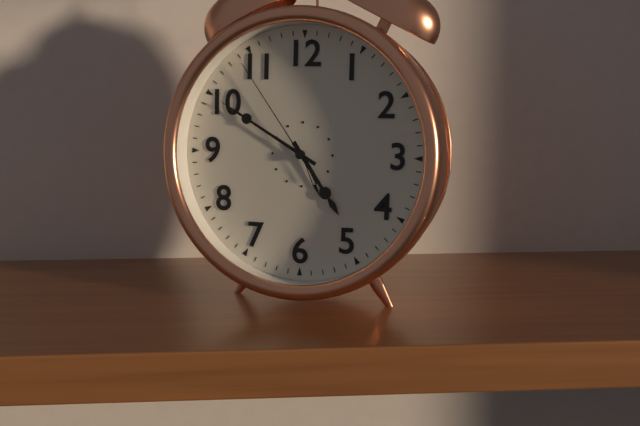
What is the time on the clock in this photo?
4:50:54
